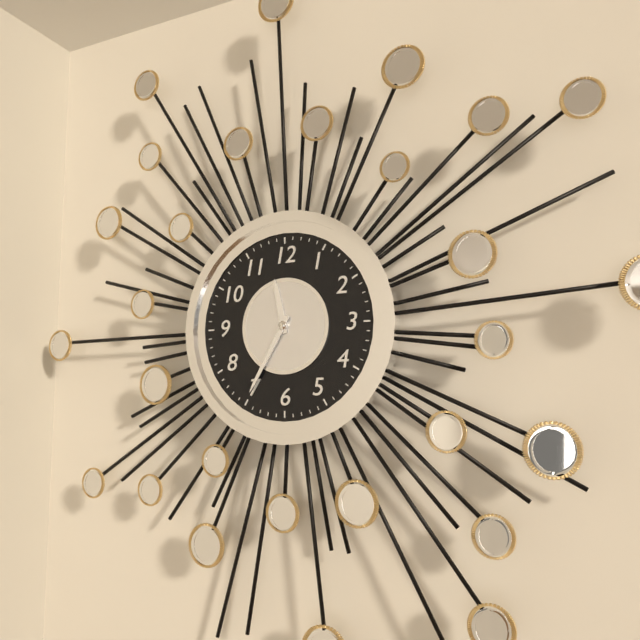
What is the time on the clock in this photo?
11:35
